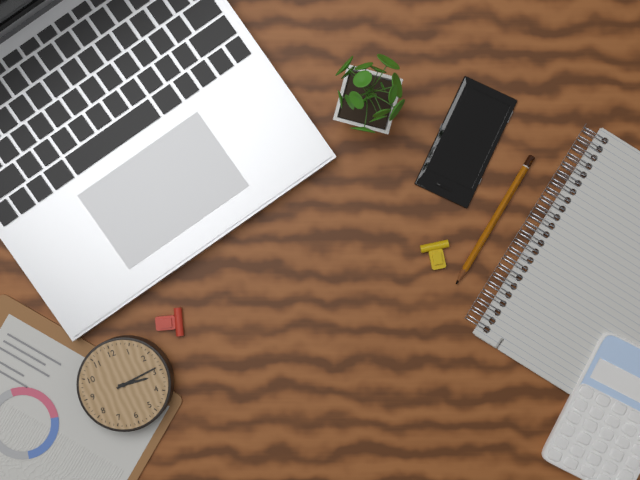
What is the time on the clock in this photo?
3:14
